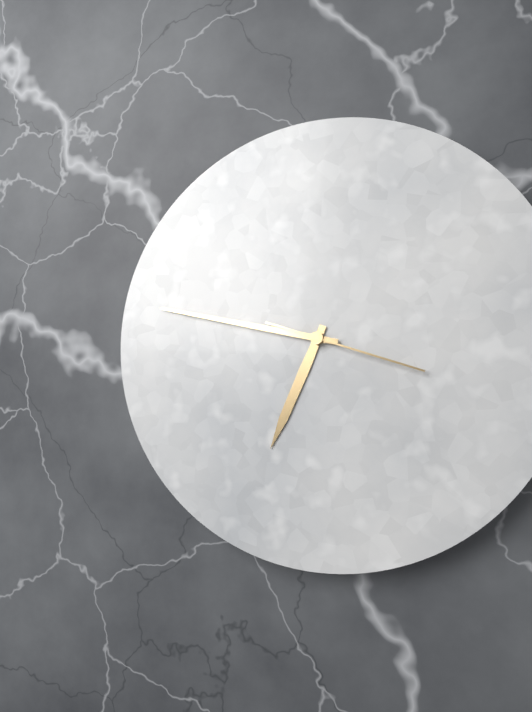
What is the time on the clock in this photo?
6:47:18
